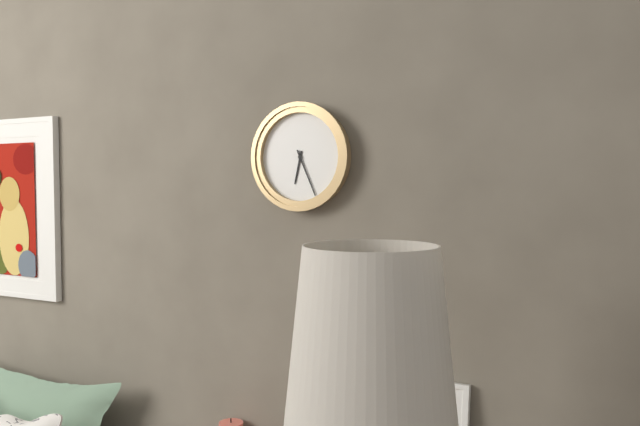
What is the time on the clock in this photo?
6:26
